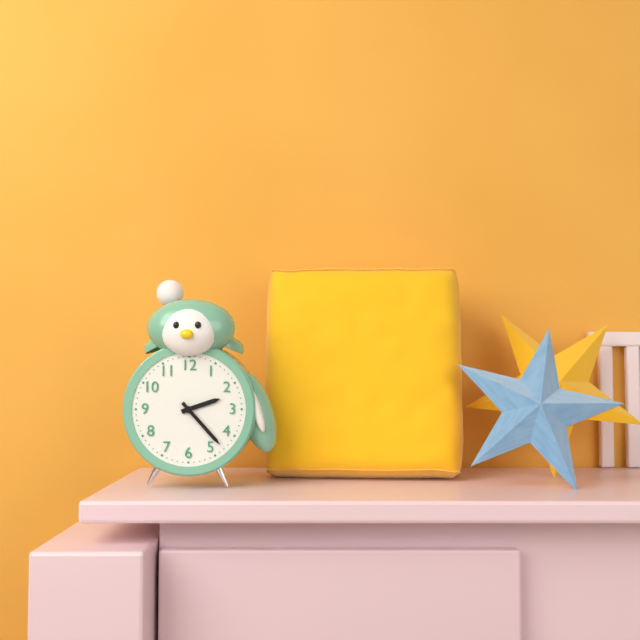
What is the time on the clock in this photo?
2:23
